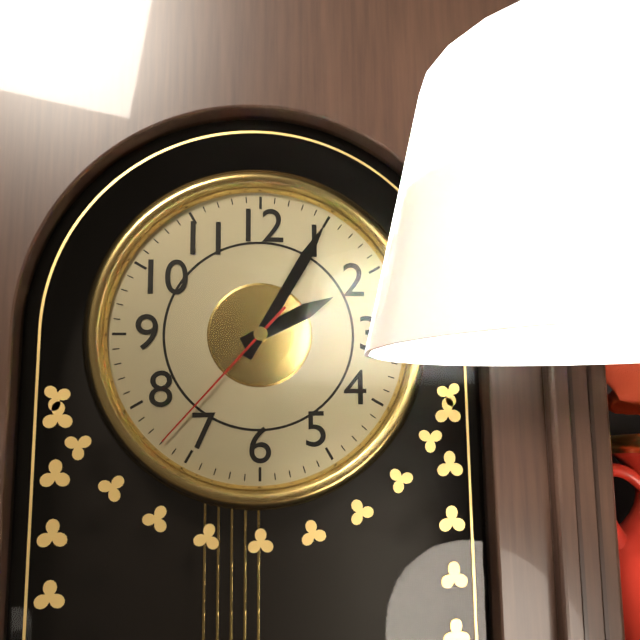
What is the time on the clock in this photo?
2:05:37
